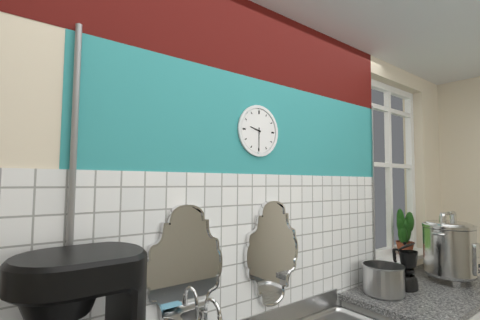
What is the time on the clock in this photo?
9:30
